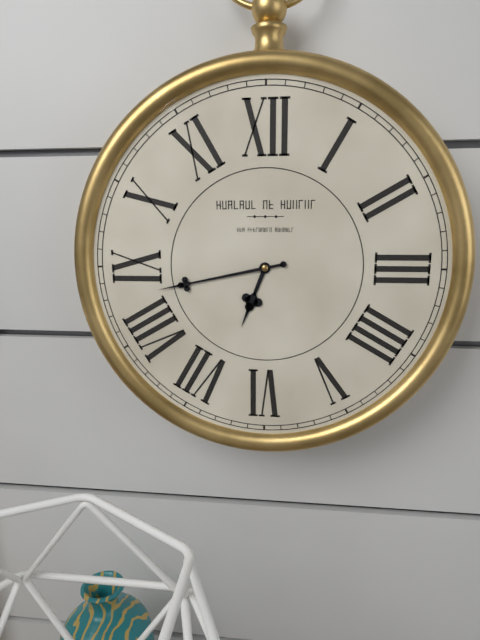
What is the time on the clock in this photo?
6:43
